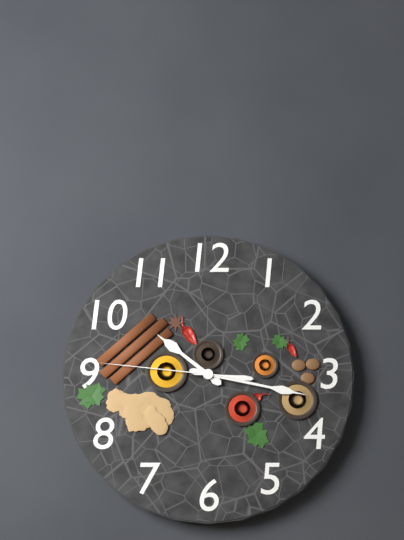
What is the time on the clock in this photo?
10:17:46
